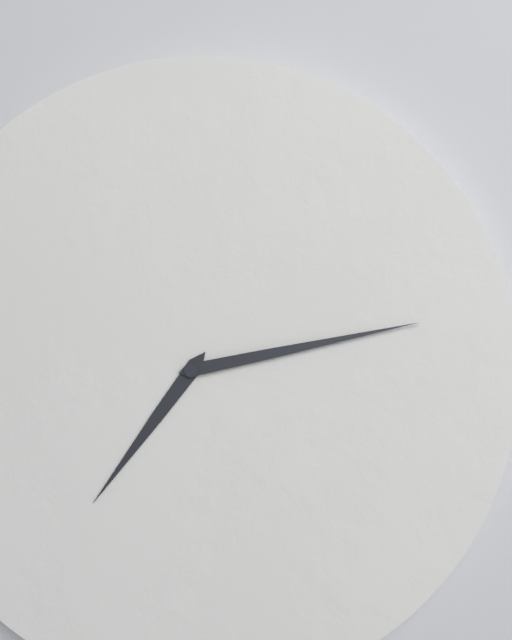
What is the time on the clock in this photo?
7:13
